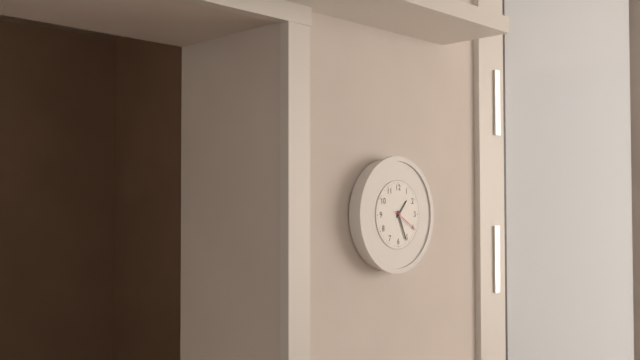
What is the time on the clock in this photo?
1:26
